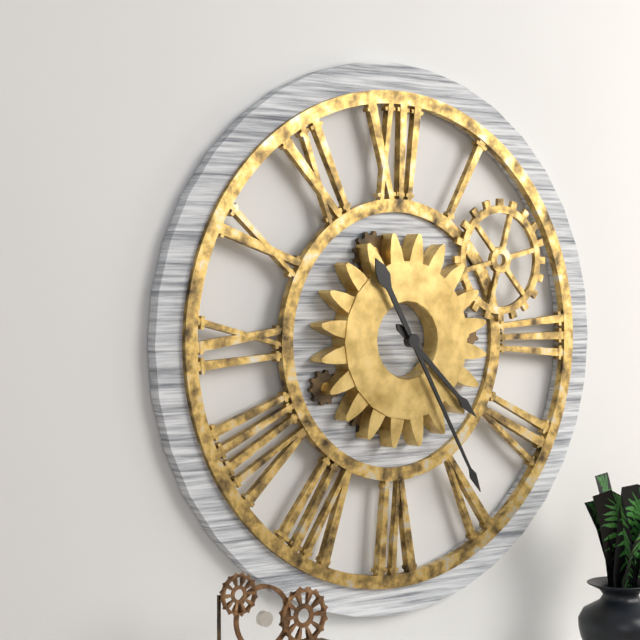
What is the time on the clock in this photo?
4:25
